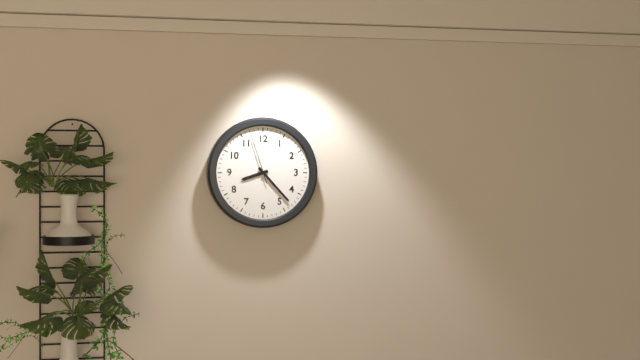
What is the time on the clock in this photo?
8:23:57
